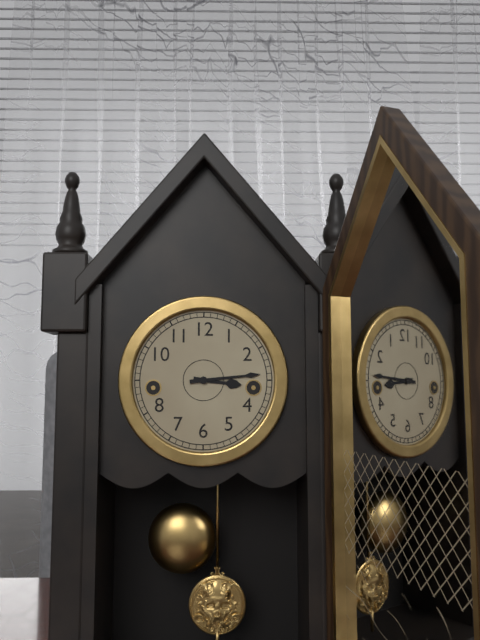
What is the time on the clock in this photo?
3:14
